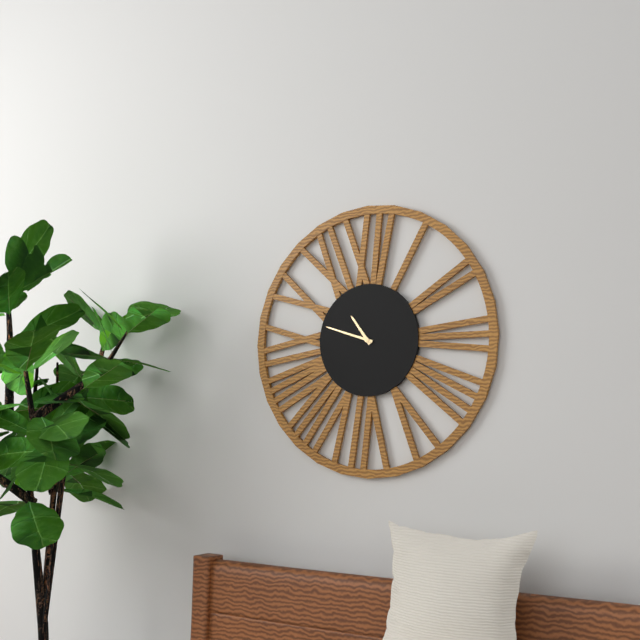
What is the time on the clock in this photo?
10:48
